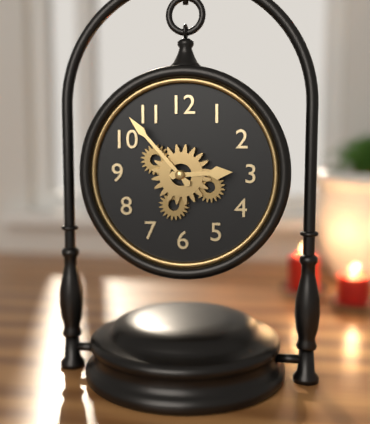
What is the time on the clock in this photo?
2:53
